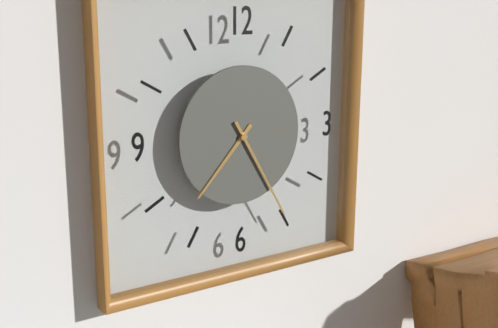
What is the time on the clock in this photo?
7:25
